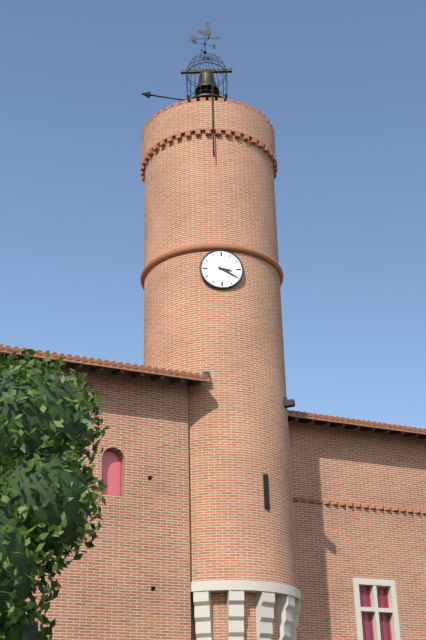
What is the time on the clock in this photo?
3:20
